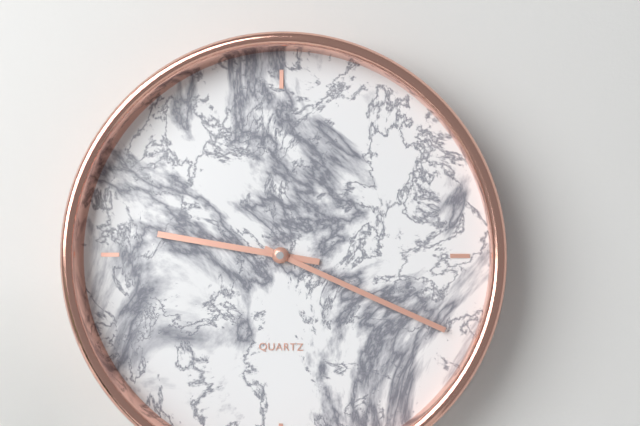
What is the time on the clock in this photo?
9:19
